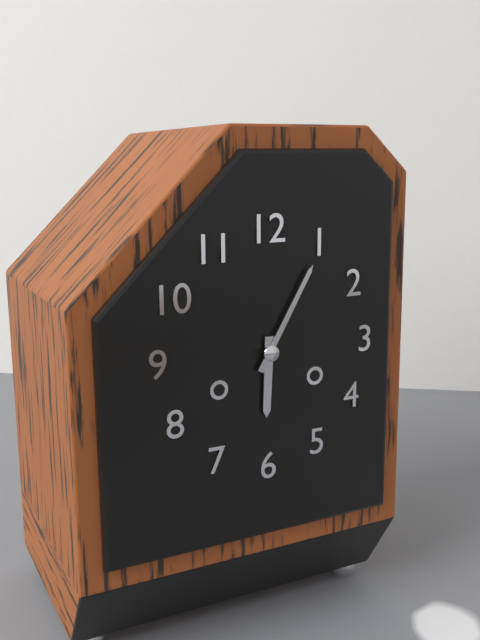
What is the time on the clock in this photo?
6:05
